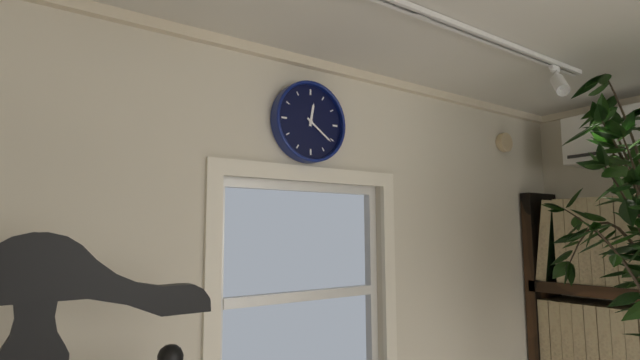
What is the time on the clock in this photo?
12:21
